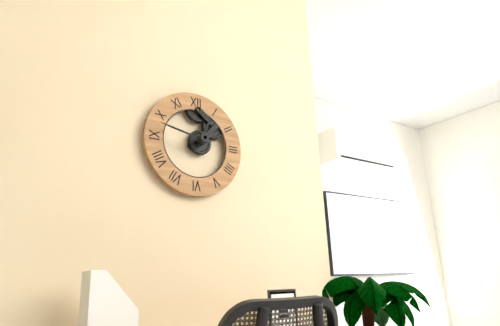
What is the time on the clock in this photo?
12:47
